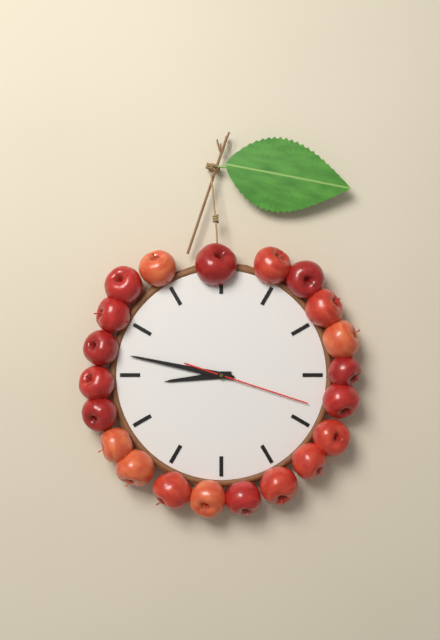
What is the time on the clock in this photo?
8:47:18
